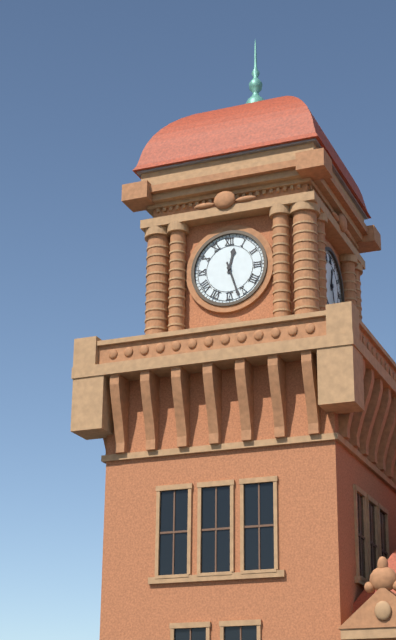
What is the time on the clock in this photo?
12:27
